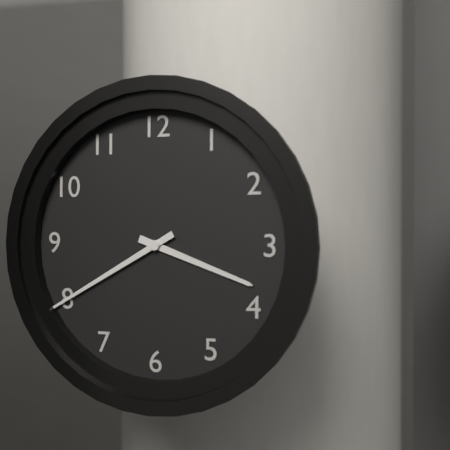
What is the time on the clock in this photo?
3:40
